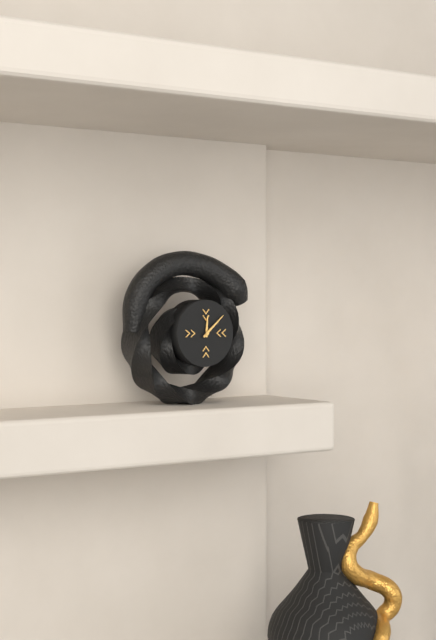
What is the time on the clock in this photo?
12:08
